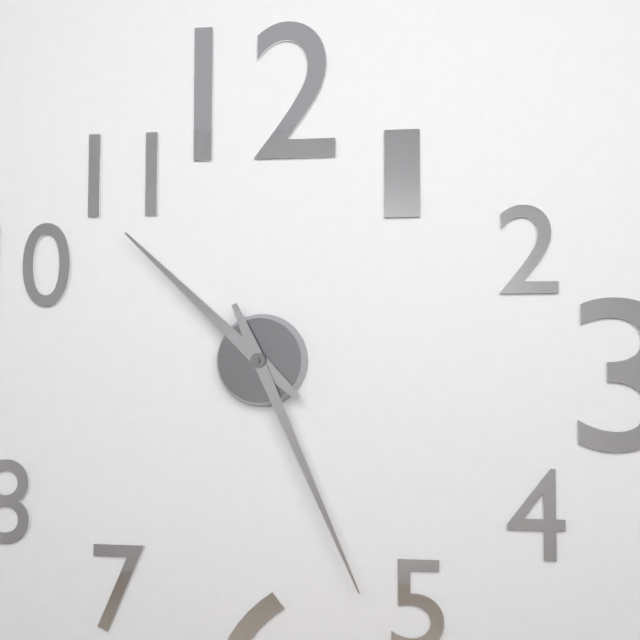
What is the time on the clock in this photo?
10:26
